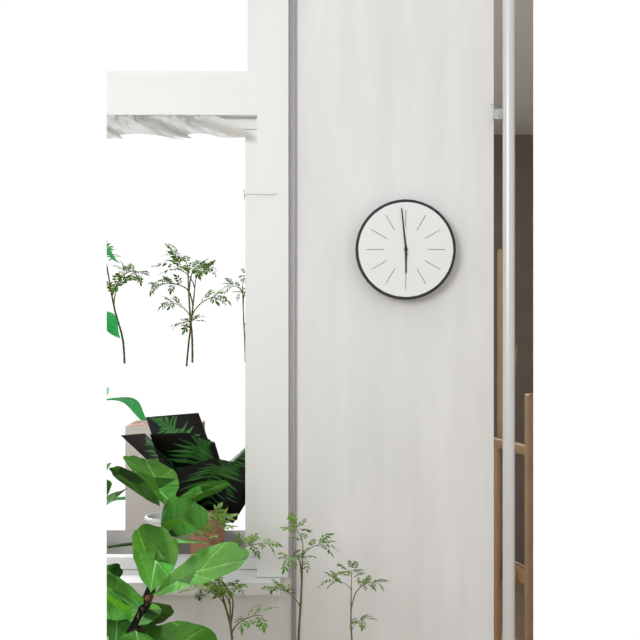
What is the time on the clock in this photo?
5:59
